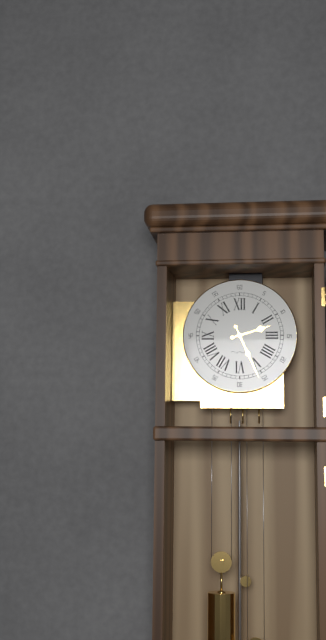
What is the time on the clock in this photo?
2:26
